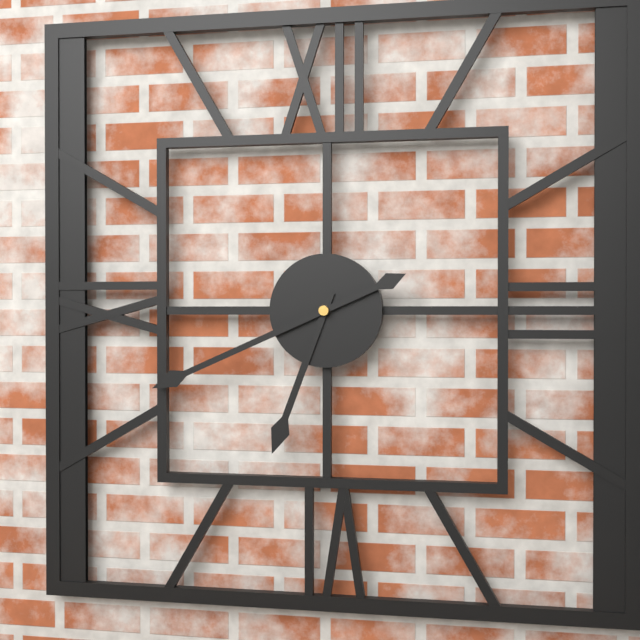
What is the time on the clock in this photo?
6:41
